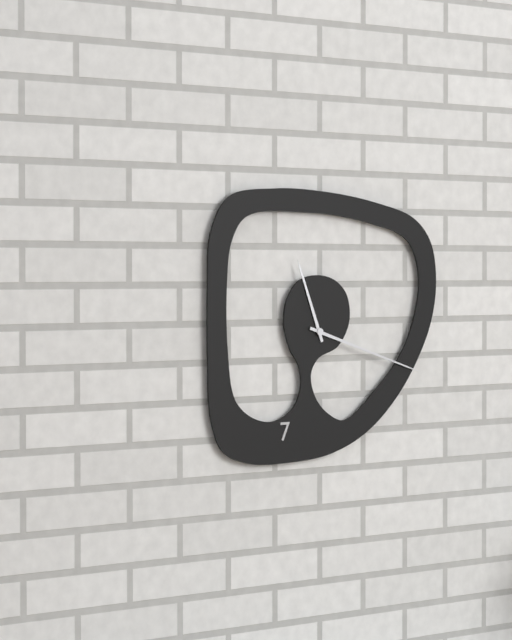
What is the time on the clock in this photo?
11:18
